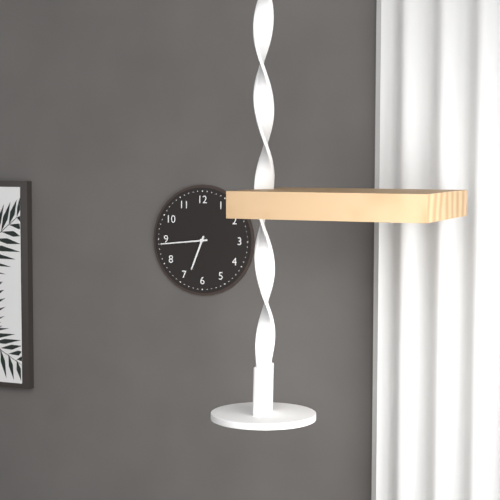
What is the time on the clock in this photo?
6:44
